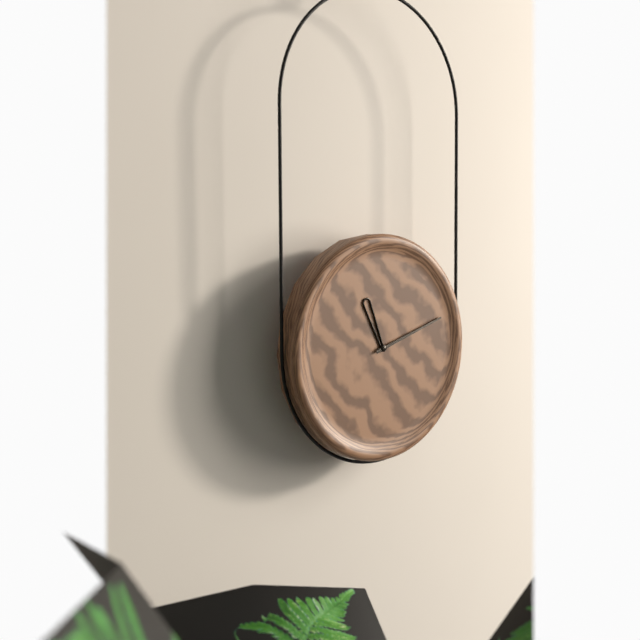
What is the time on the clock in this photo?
11:12
